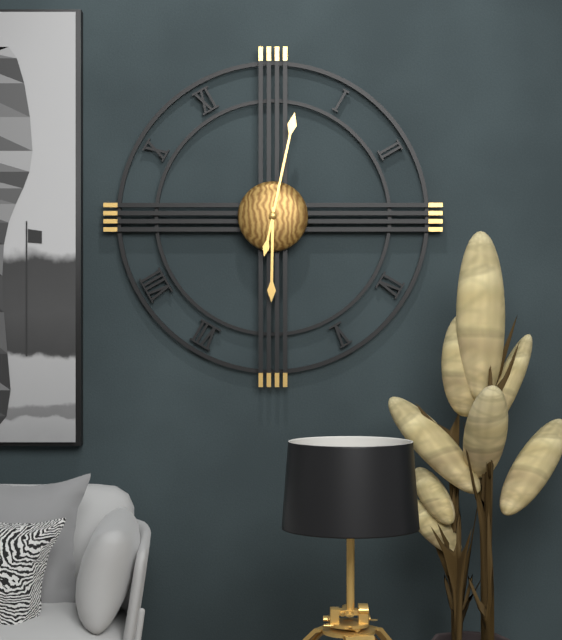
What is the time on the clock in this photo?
6:02
